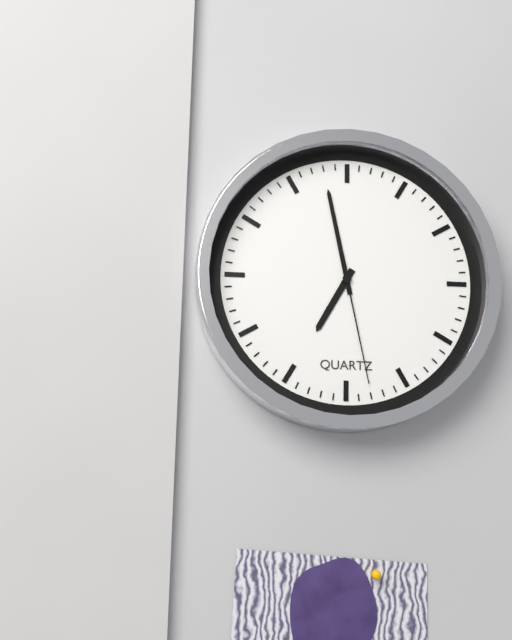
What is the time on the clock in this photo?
6:58:28
